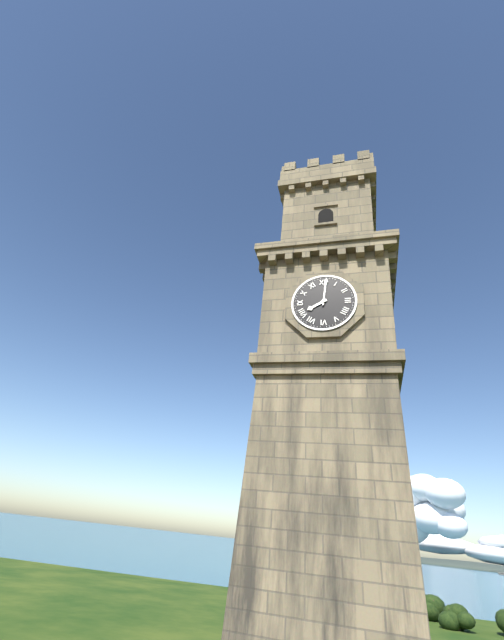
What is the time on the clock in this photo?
8:01
